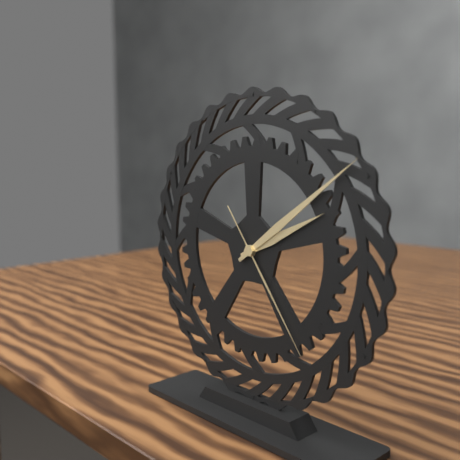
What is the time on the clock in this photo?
2:09:24
